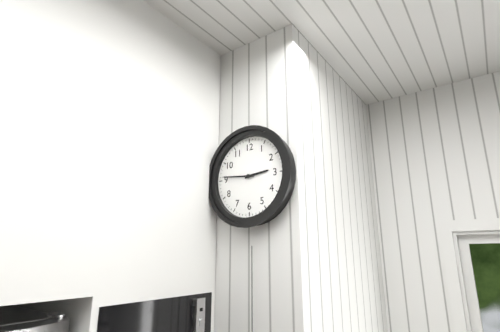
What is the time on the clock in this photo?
2:46
